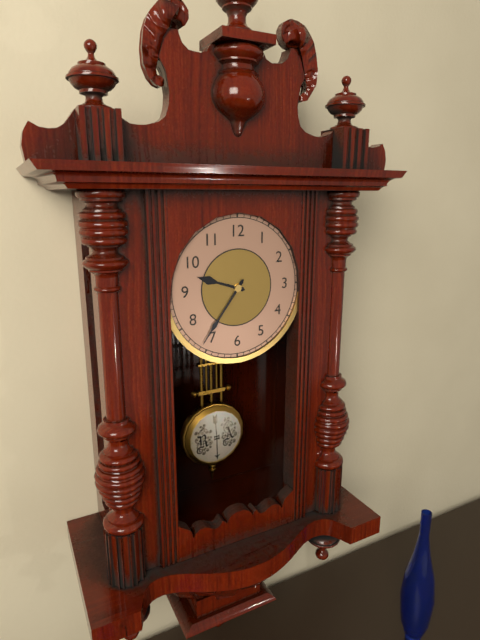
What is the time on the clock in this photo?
9:36
